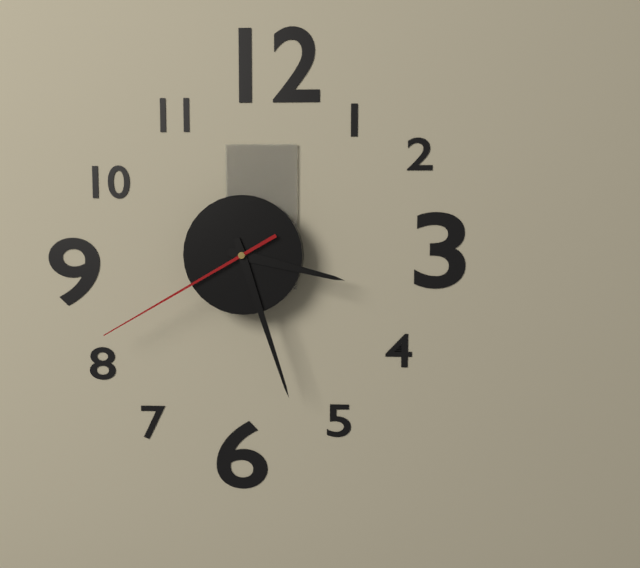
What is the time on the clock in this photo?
3:27:40
